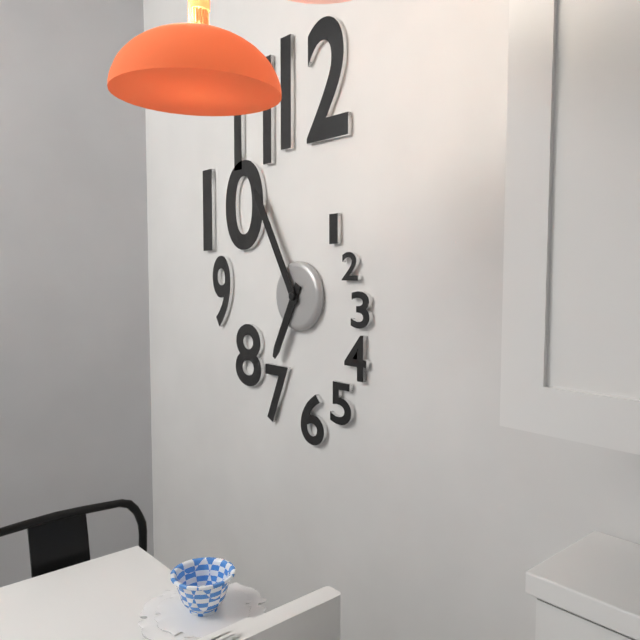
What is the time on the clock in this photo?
6:55
